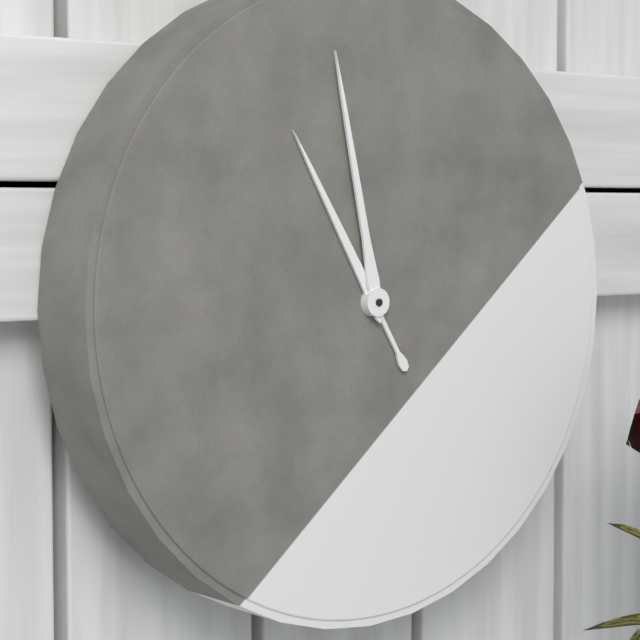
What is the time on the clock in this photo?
10:58
